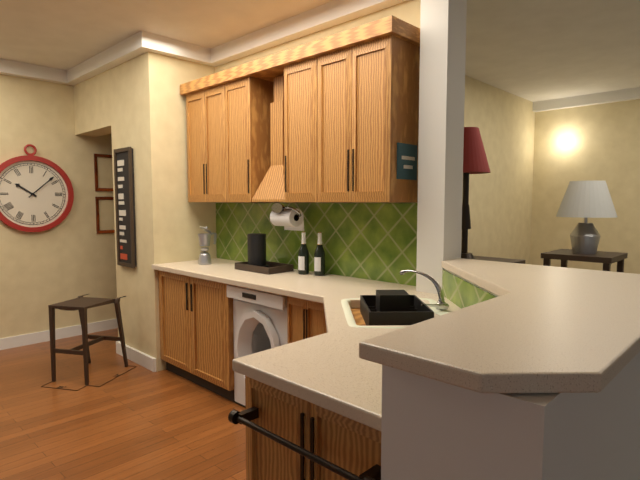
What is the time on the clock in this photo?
10:08
